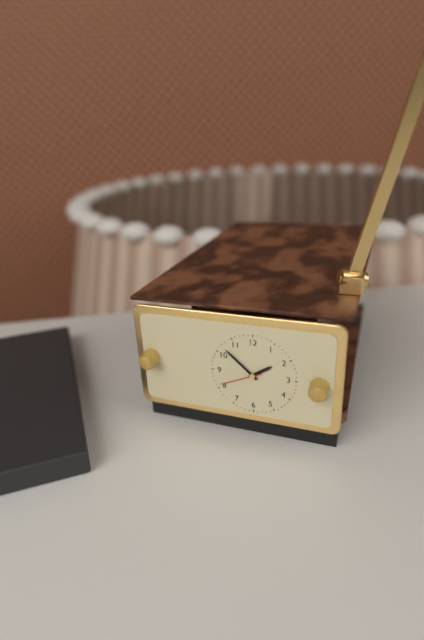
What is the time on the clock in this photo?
1:52
